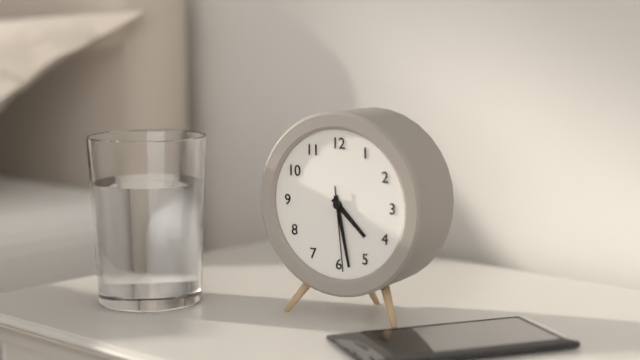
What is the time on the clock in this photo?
4:28:29
